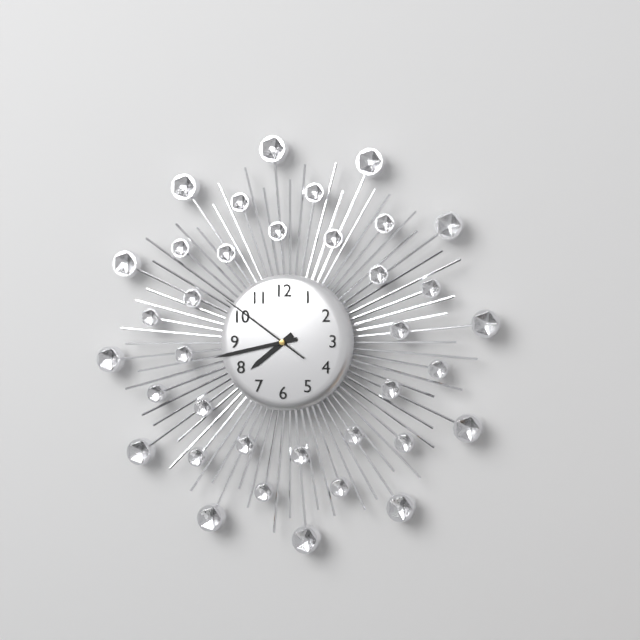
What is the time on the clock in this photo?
7:43:51
